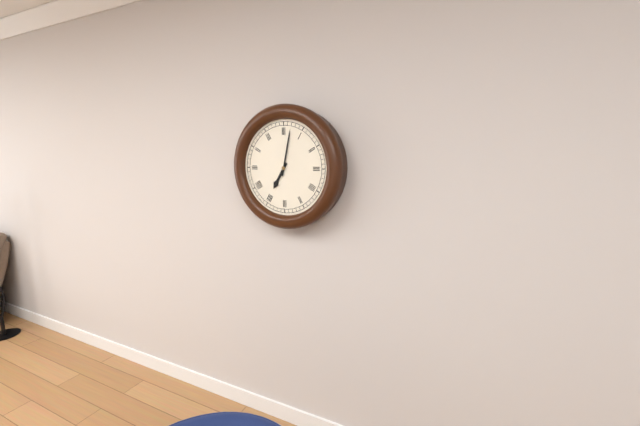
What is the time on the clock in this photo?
7:02
